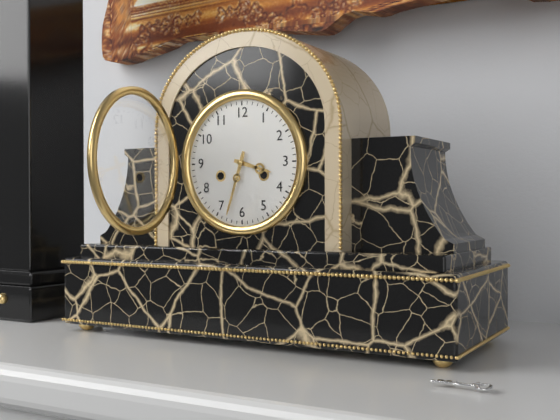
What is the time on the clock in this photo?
3:33
